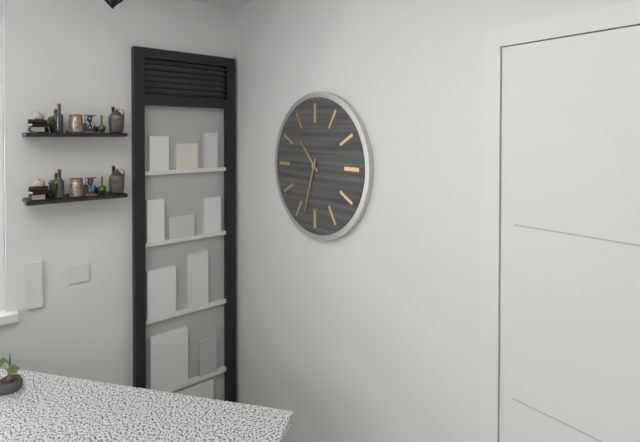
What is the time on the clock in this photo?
10:33
